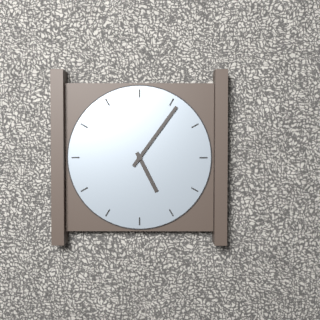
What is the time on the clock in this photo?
5:06
